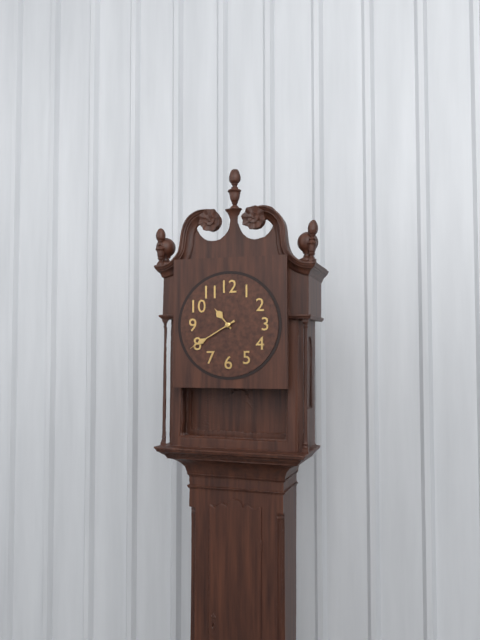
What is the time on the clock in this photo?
10:40
